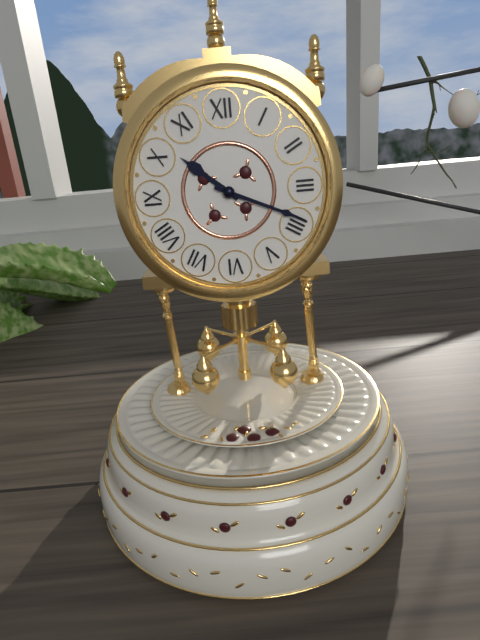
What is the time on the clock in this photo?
10:19
